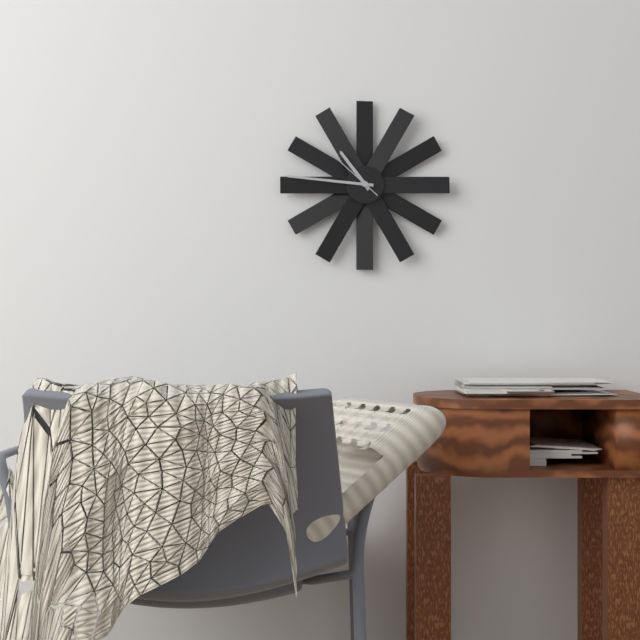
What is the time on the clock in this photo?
10:46:52
